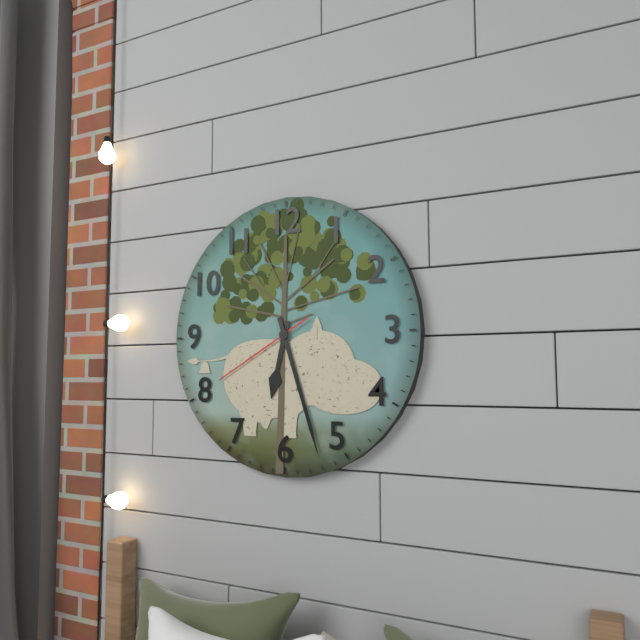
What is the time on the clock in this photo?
6:27:40
